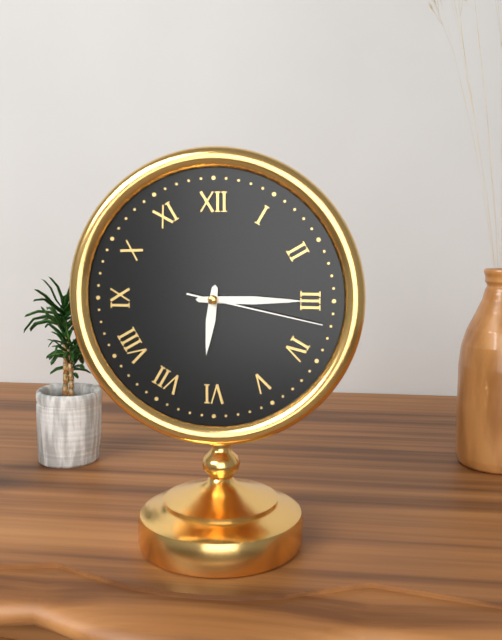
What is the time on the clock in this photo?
6:15:17
